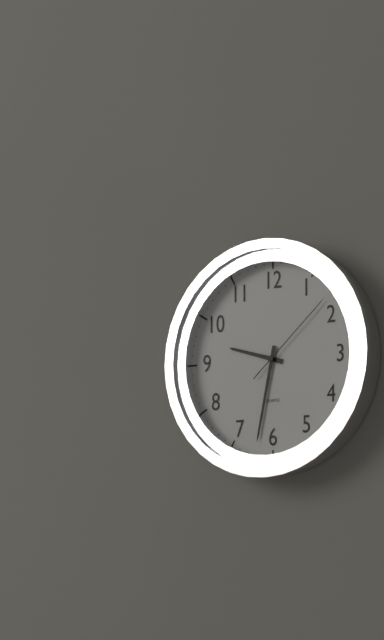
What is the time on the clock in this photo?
9:32:08
